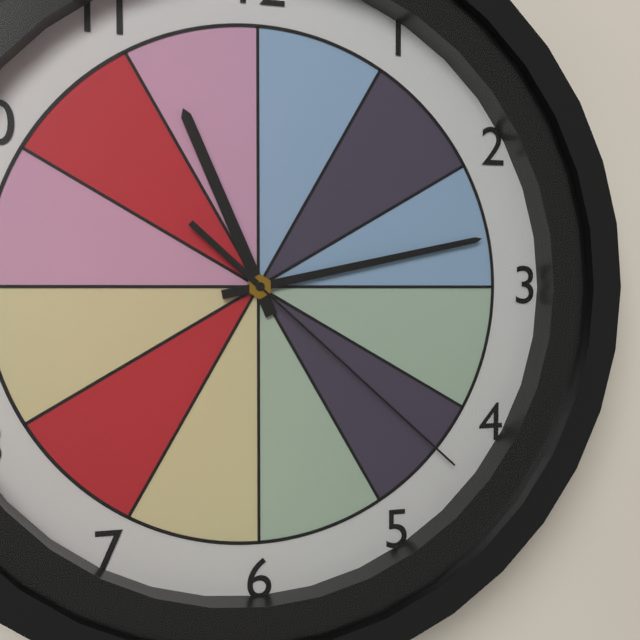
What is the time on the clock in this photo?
11:13:22
